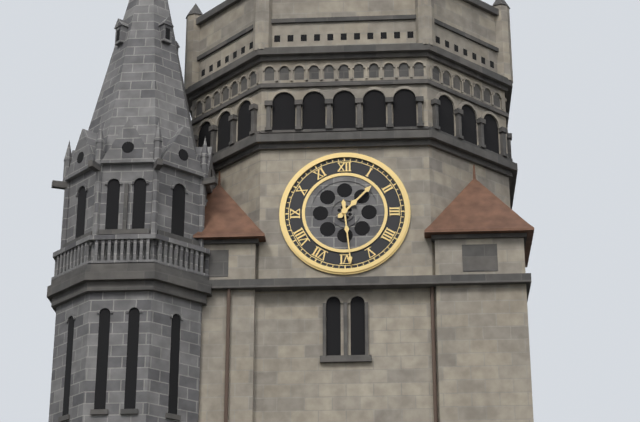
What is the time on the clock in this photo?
1:29
